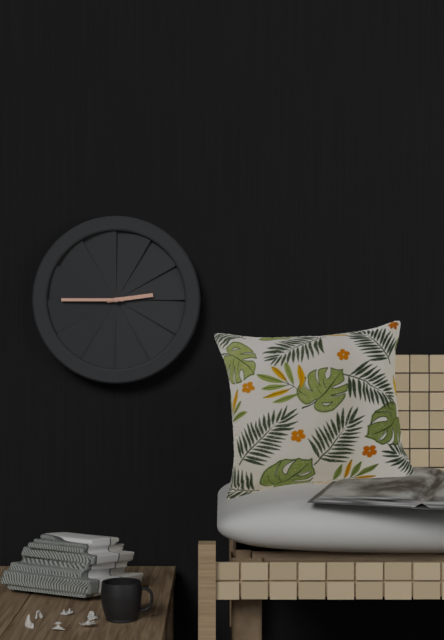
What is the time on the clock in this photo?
2:45
